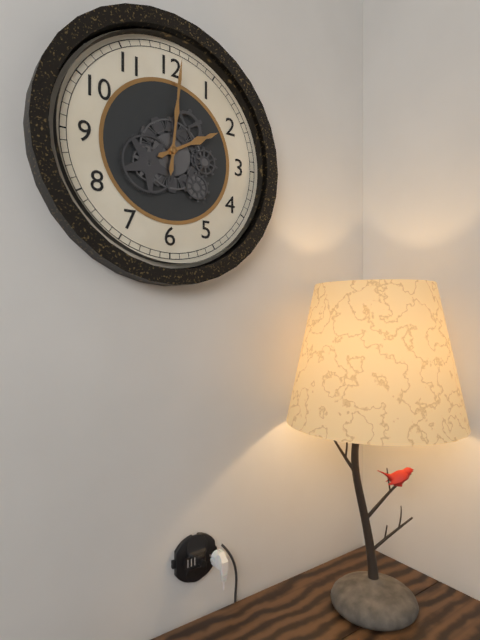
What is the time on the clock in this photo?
2:01
